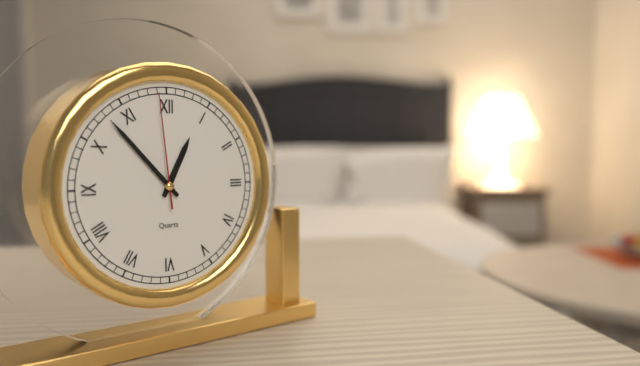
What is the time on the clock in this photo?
12:53:59
